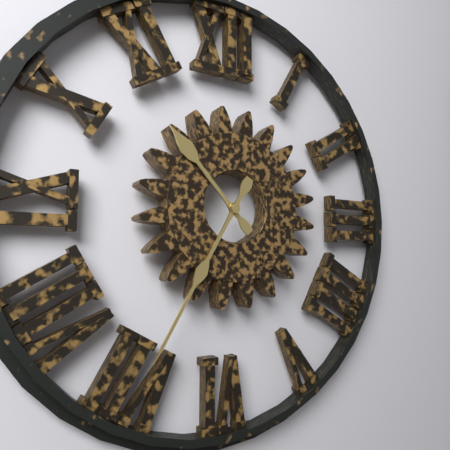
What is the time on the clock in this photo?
10:35
